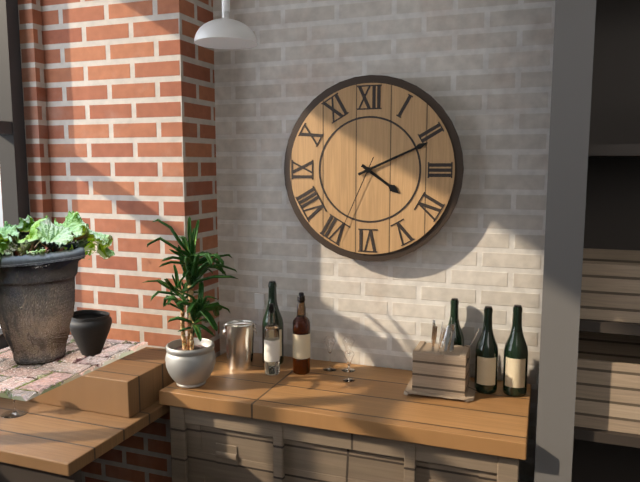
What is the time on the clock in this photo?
4:11:34
